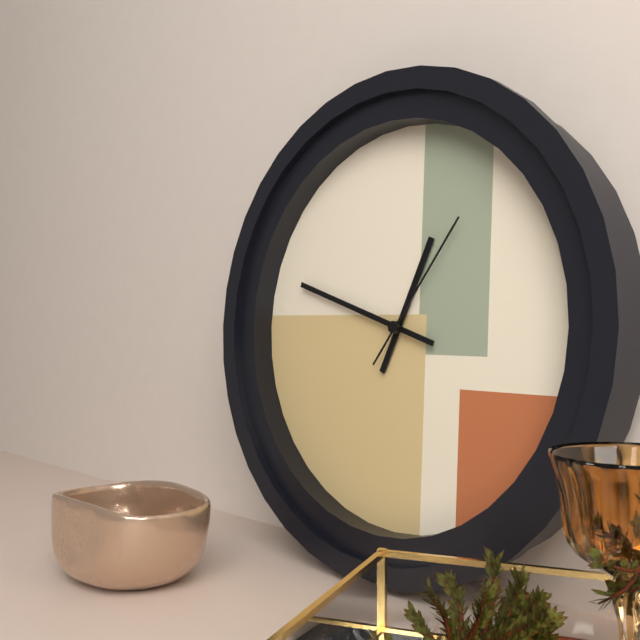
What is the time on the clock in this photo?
12:48:06
